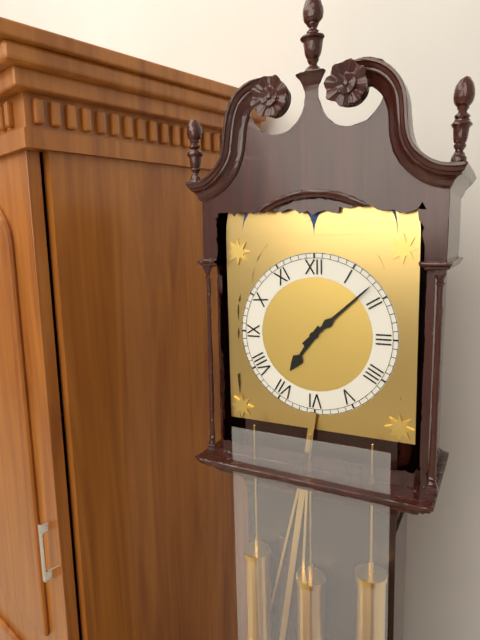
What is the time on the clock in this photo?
7:08
